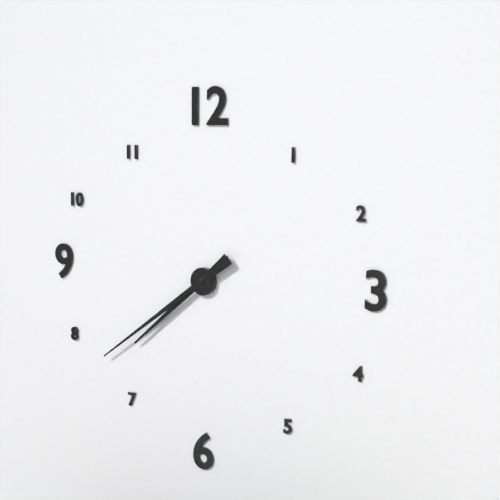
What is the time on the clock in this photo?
7:39
